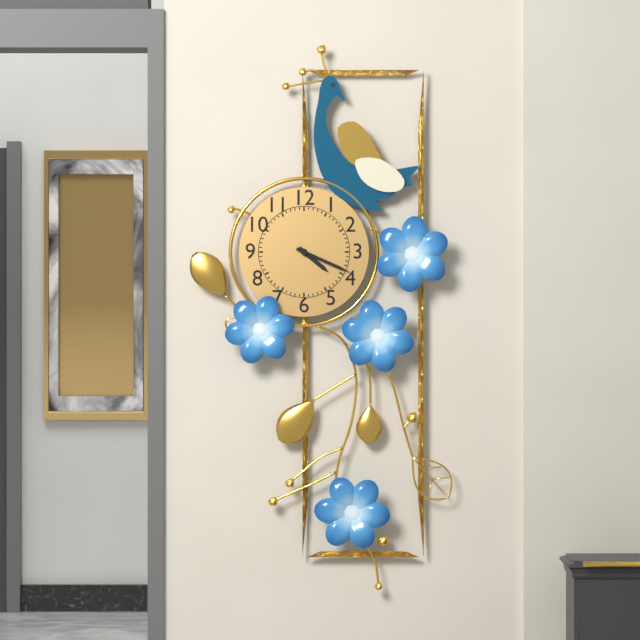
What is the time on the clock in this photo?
4:19
